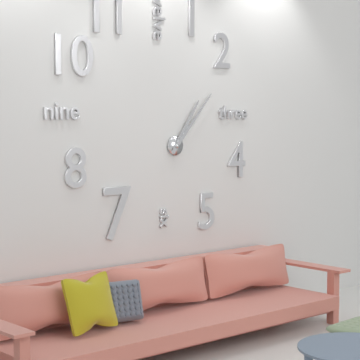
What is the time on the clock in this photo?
1:07
